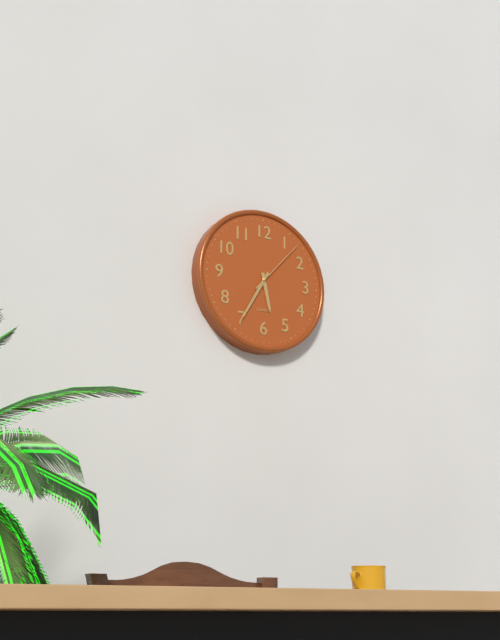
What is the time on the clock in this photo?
5:35:07
